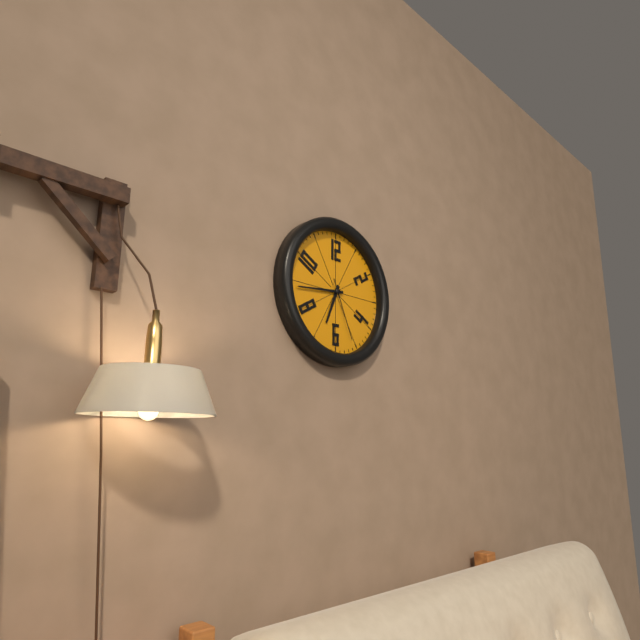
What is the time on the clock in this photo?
6:44:26
